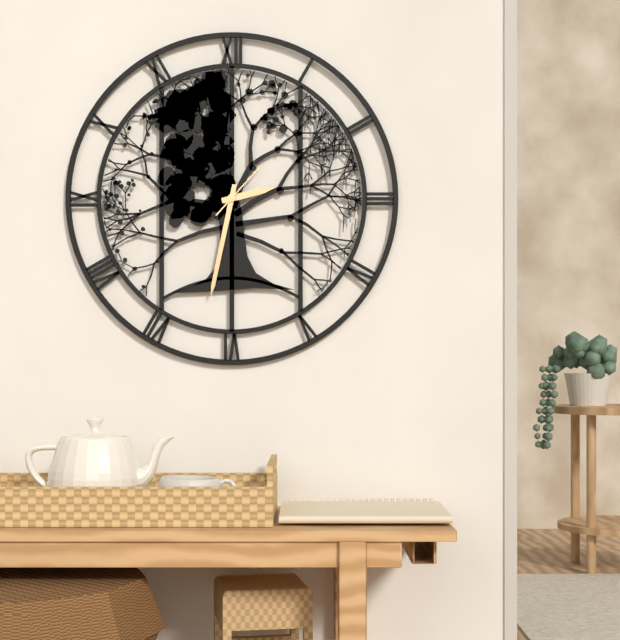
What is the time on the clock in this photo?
2:32:07
